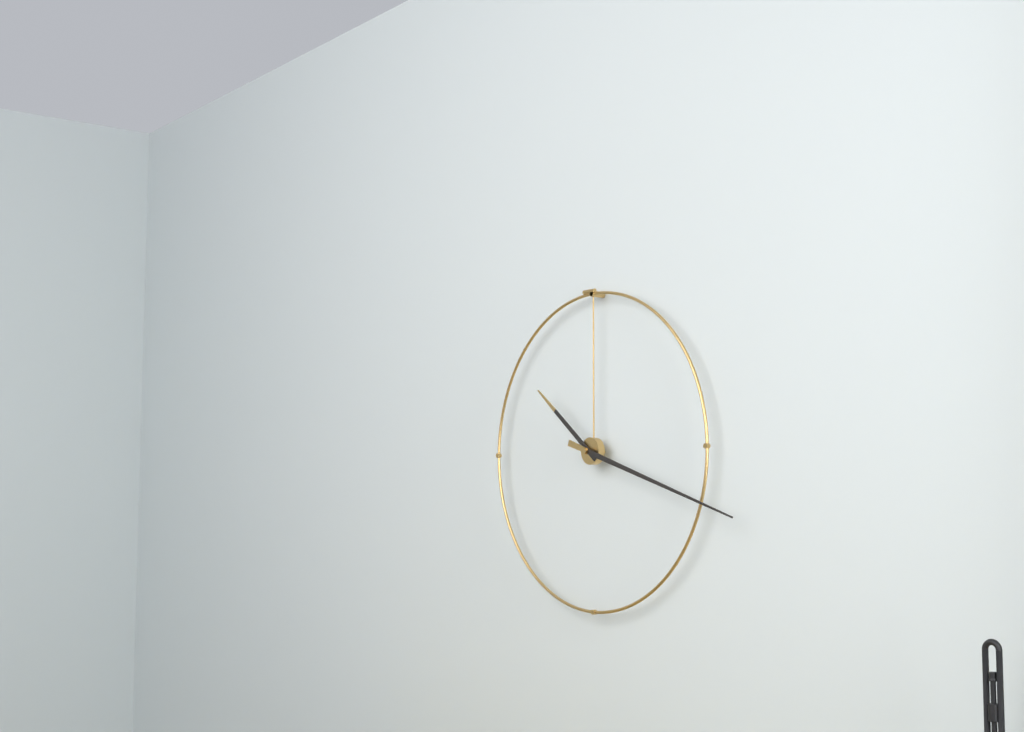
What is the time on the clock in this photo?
10:18
